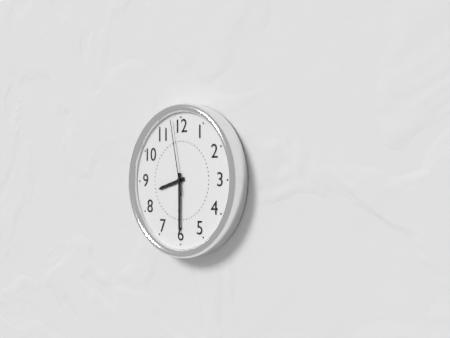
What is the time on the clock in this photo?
8:30:58
